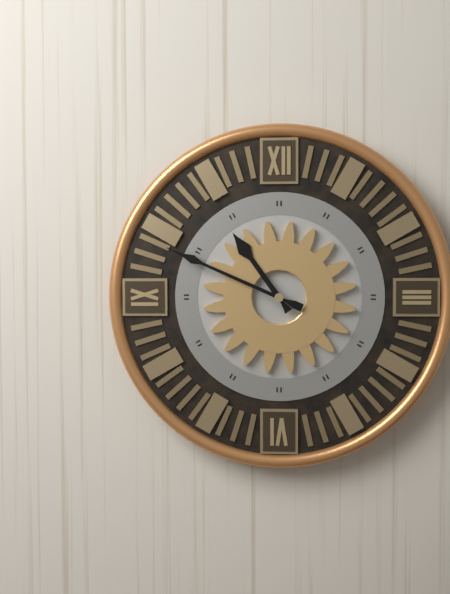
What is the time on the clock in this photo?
10:49
